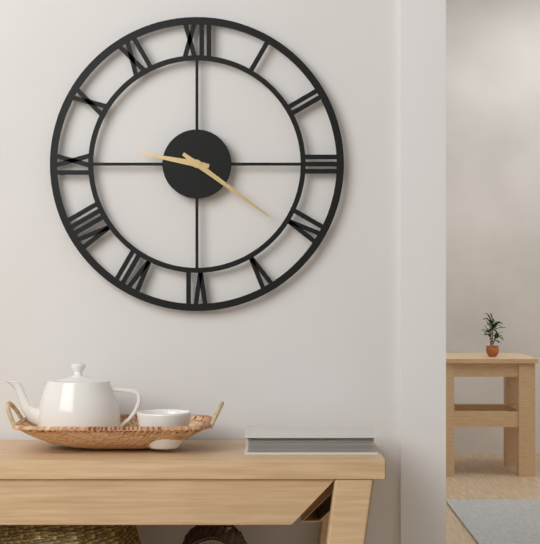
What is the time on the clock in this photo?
9:21
